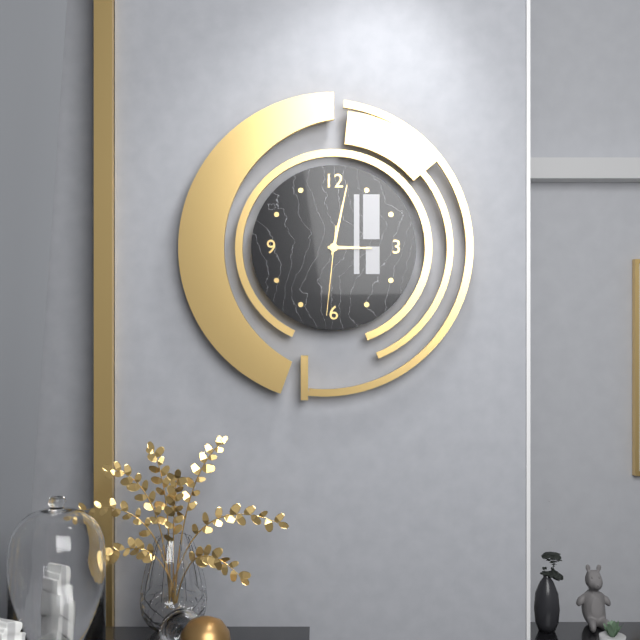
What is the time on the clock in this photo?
3:02:31
